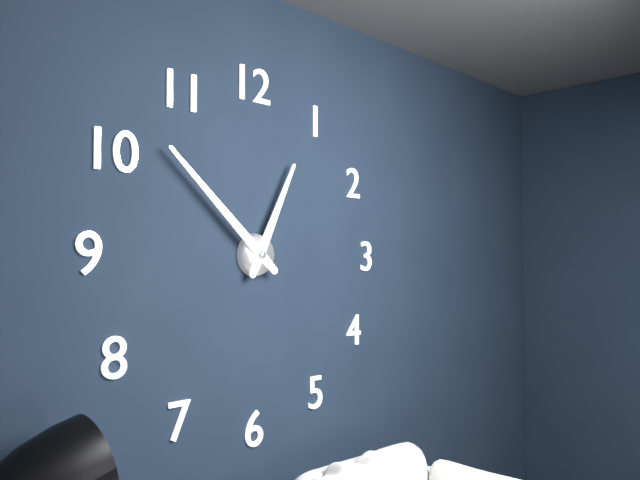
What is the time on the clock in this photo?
12:52
